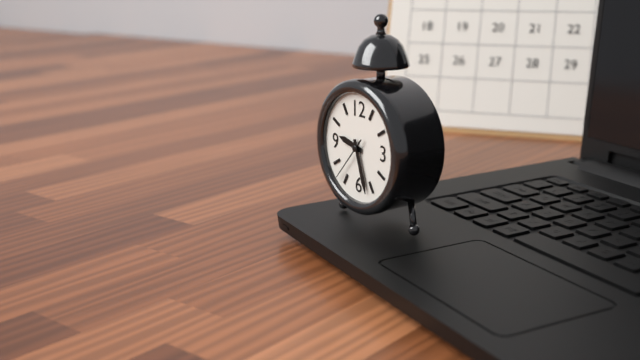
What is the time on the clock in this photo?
9:27:37
